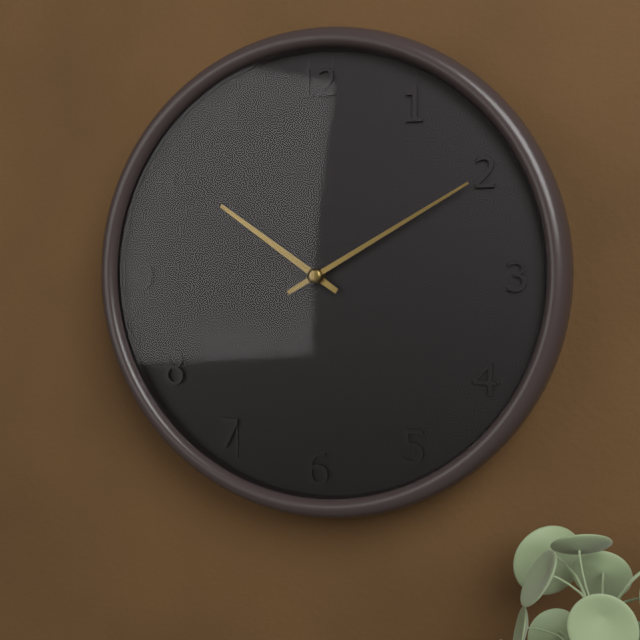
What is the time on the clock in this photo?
10:10
